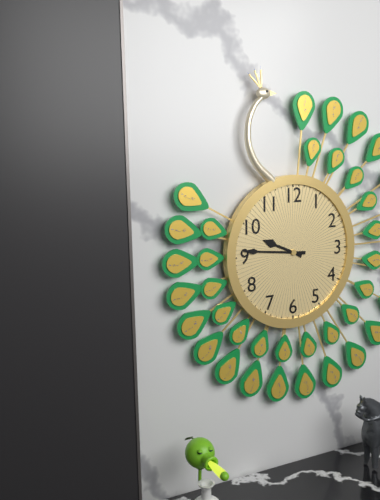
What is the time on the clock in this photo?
9:46
